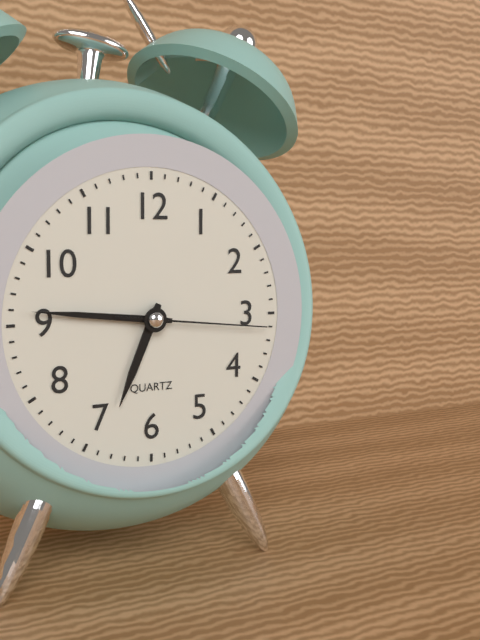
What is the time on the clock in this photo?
6:46:16
